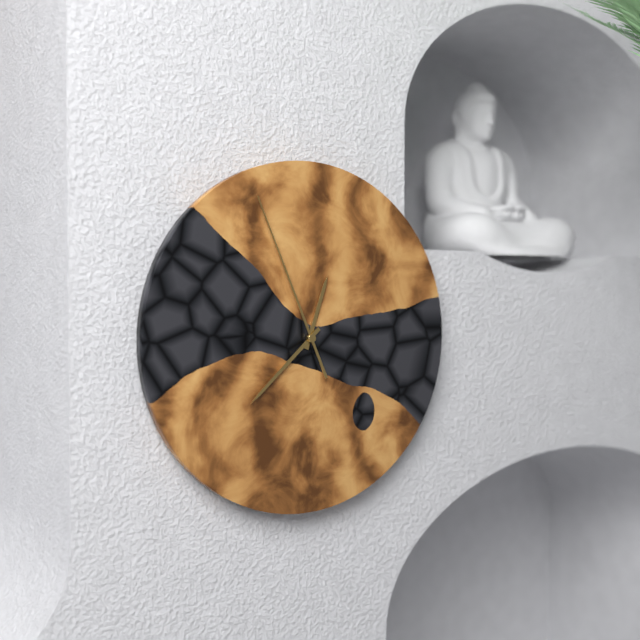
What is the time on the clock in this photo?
12:38:56
